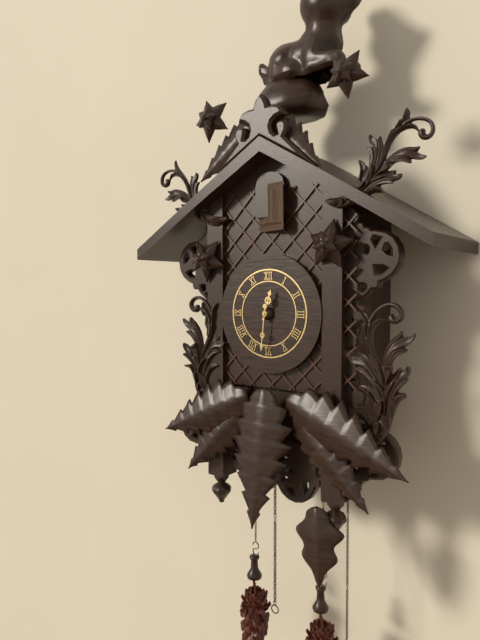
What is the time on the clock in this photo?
12:31
